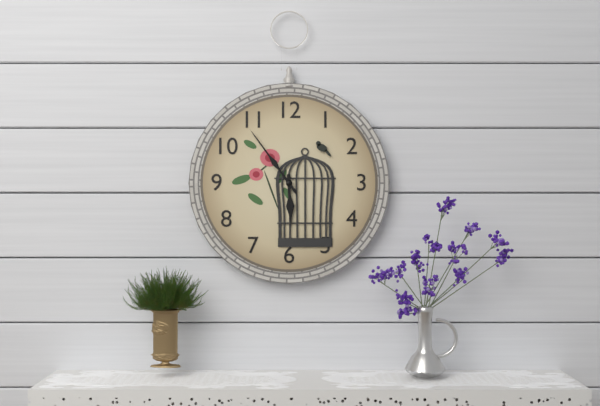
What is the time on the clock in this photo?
5:54
